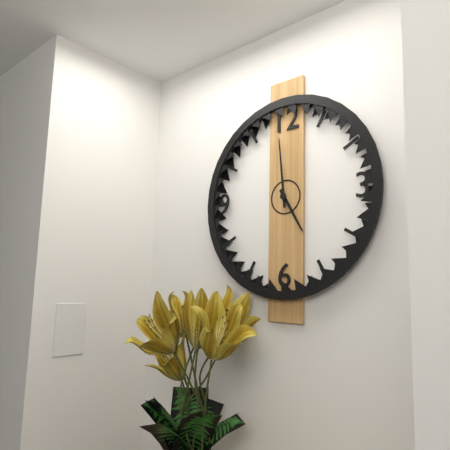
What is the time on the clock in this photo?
4:59
